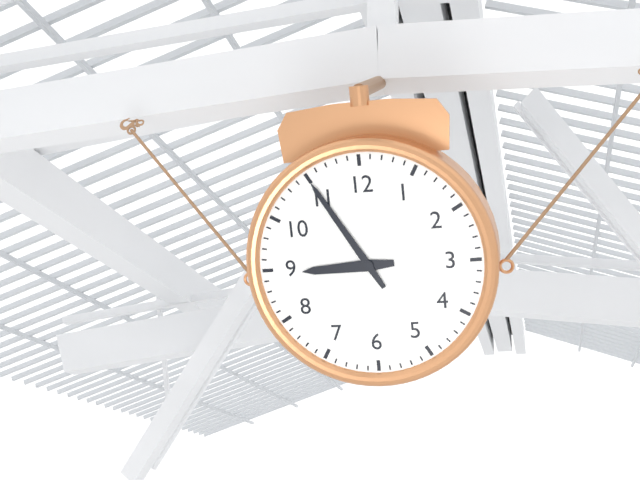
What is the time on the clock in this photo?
8:55
